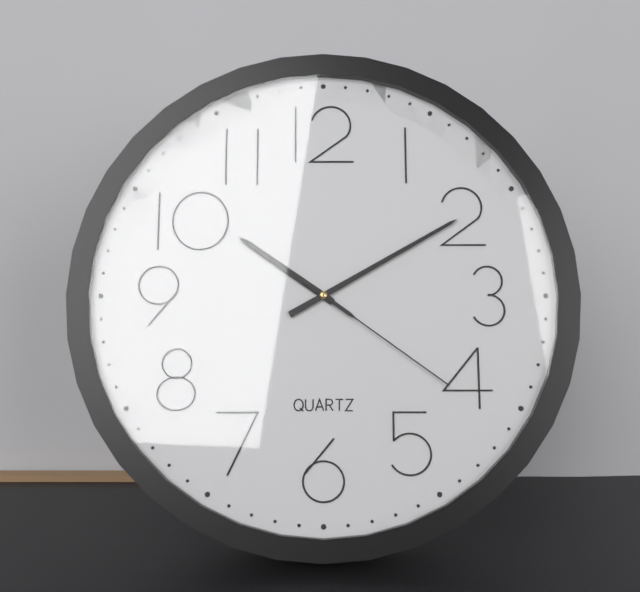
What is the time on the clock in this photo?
10:10:21
